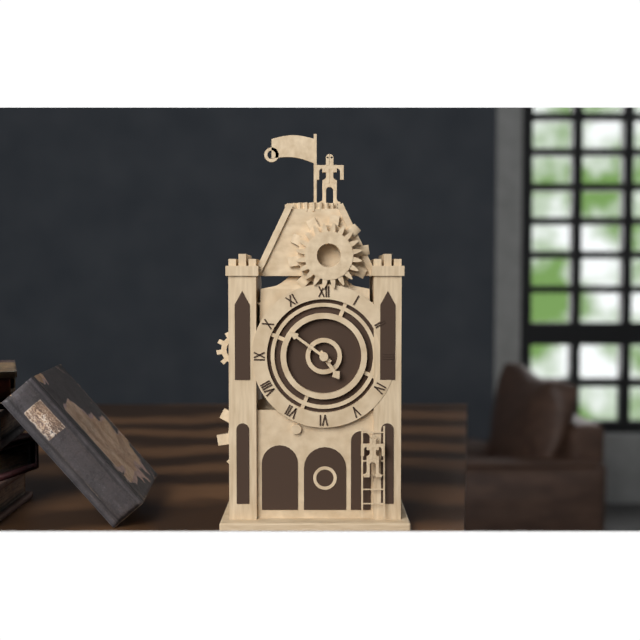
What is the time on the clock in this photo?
4:51
